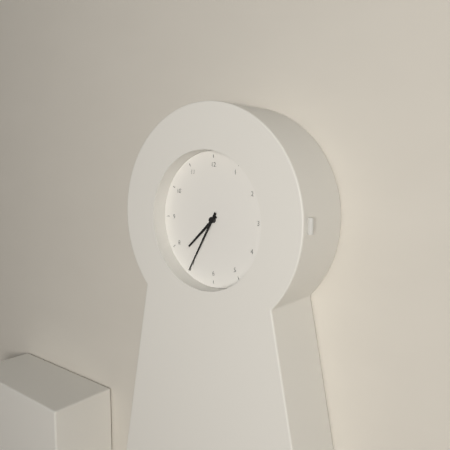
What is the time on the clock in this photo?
7:35
